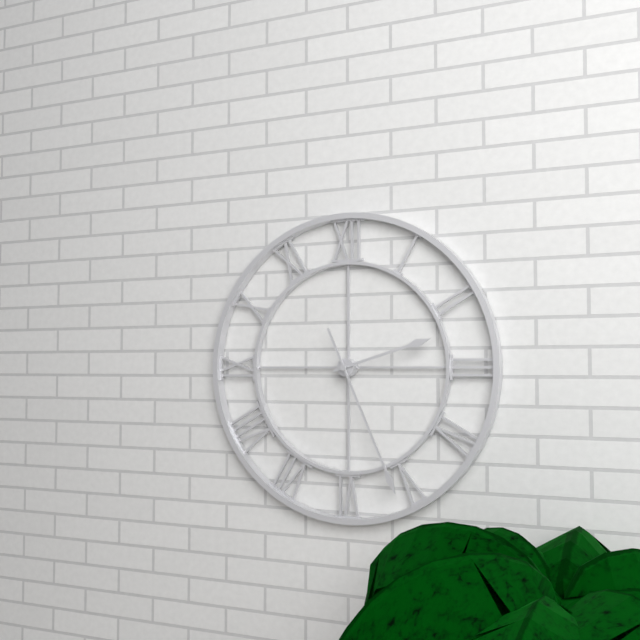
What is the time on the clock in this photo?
2:26
